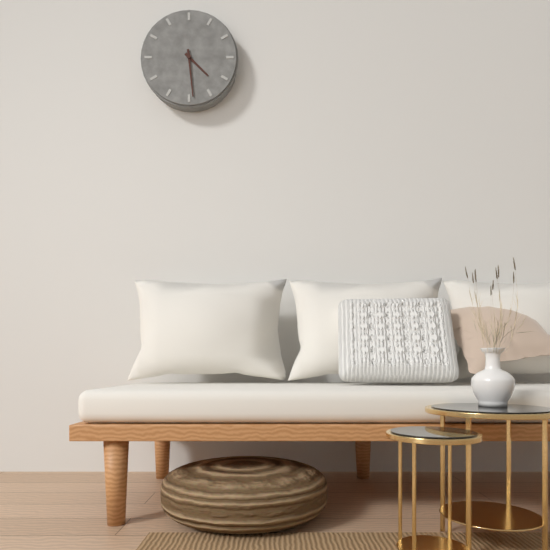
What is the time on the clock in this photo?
4:29
